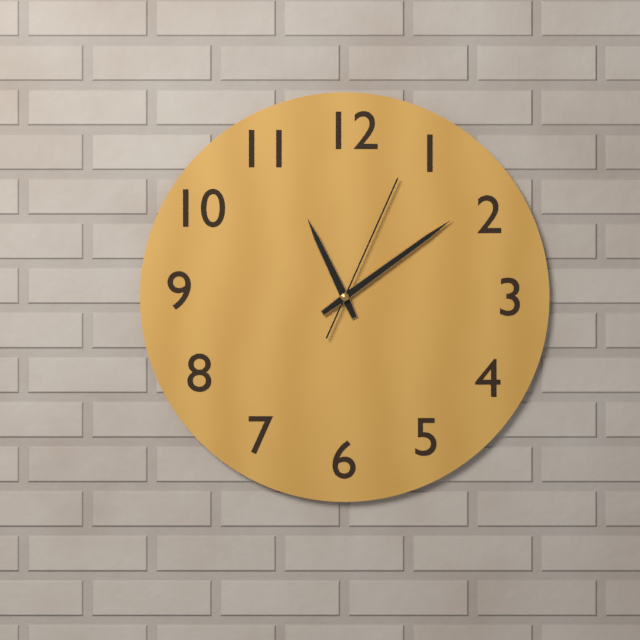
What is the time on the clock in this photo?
11:09:04
